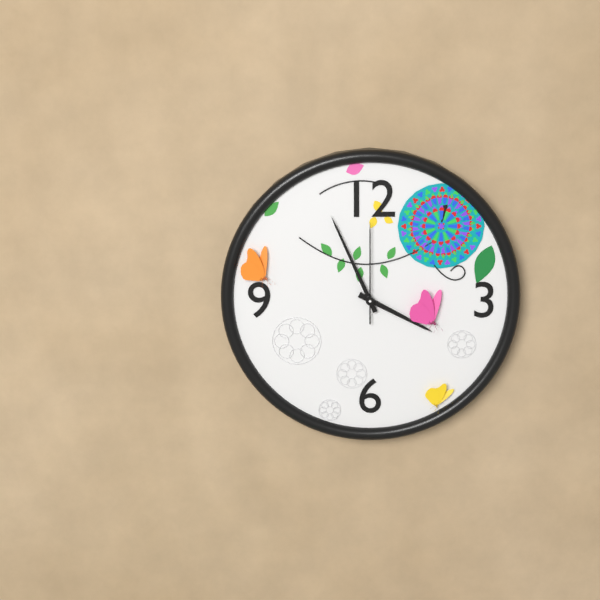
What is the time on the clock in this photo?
3:56:00
